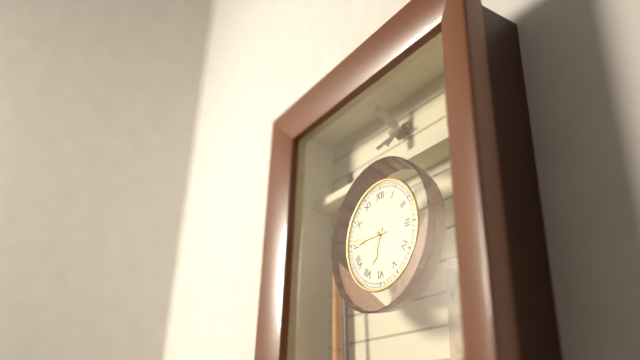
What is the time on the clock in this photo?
6:45
